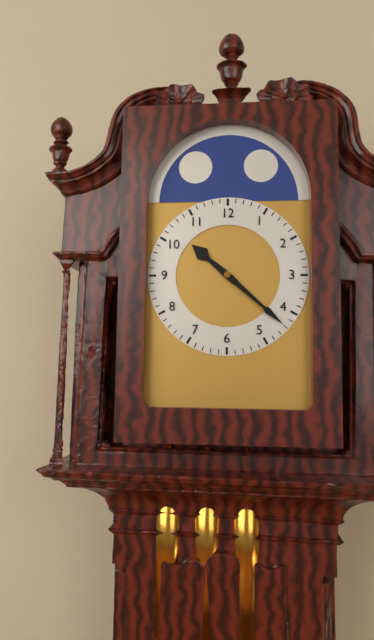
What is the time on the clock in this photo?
10:22
